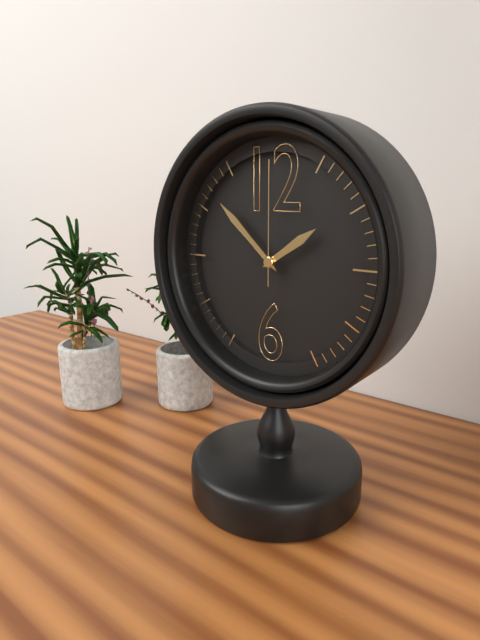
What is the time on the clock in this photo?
1:52:00
